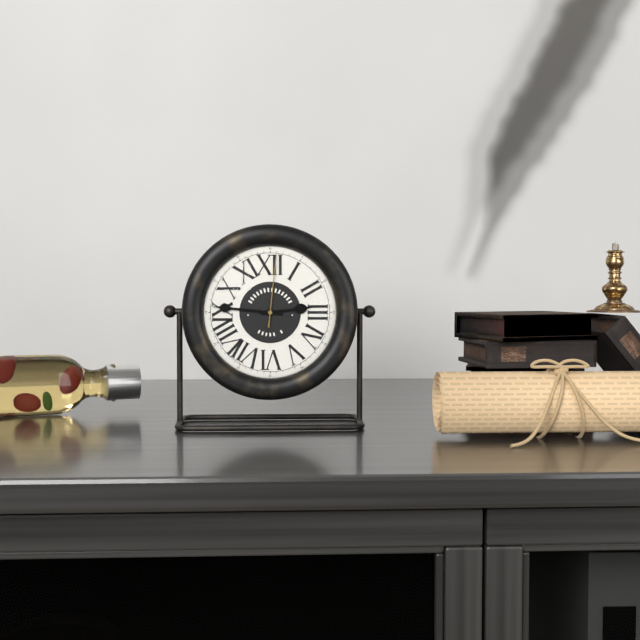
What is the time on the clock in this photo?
2:46:01
